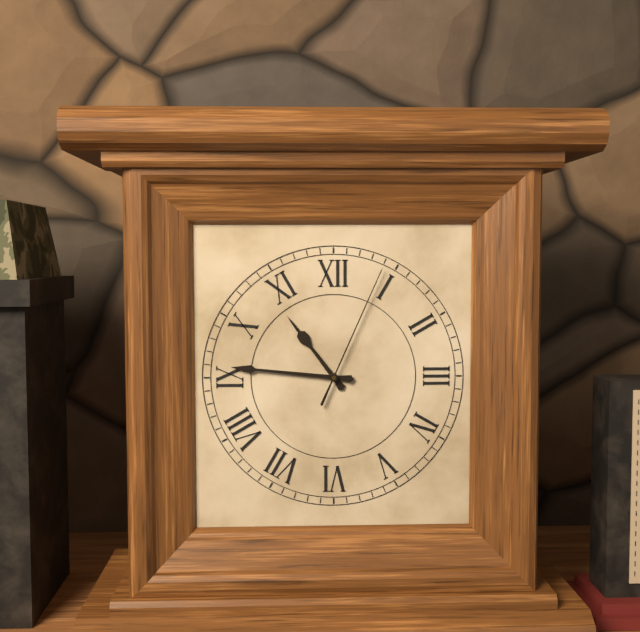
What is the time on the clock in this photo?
10:46:04
